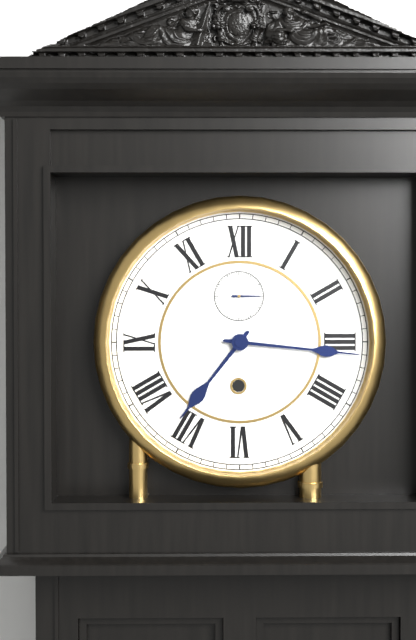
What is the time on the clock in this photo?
7:16
